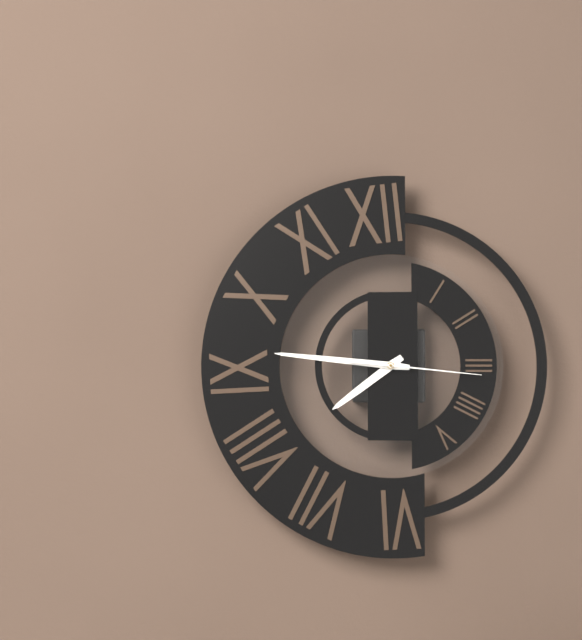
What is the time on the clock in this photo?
7:46:16
